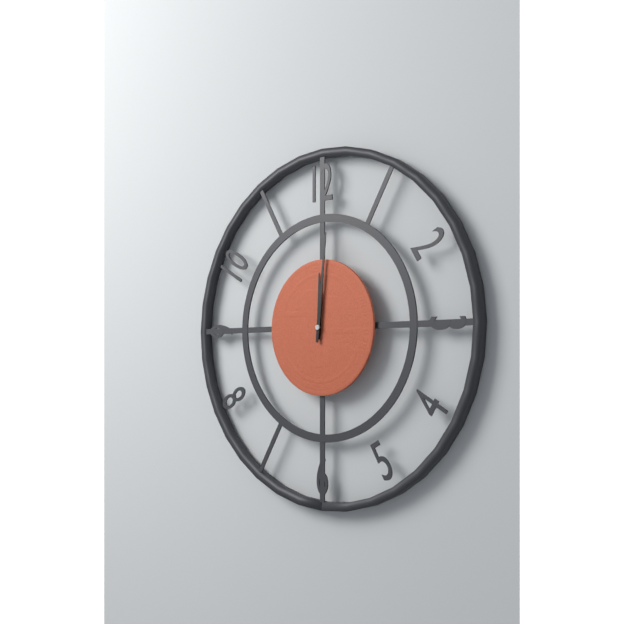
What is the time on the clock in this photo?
12:01
